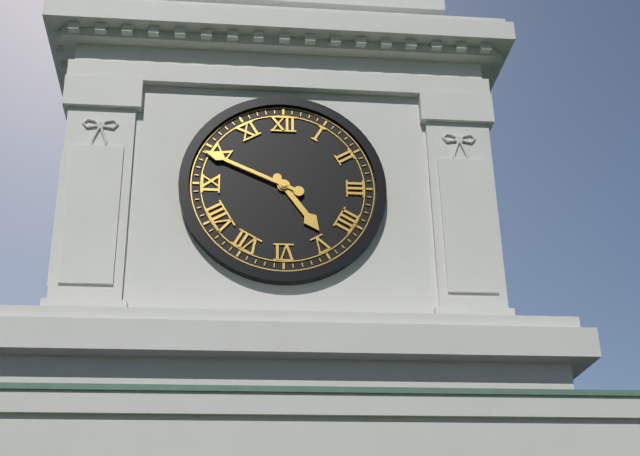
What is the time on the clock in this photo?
4:49
